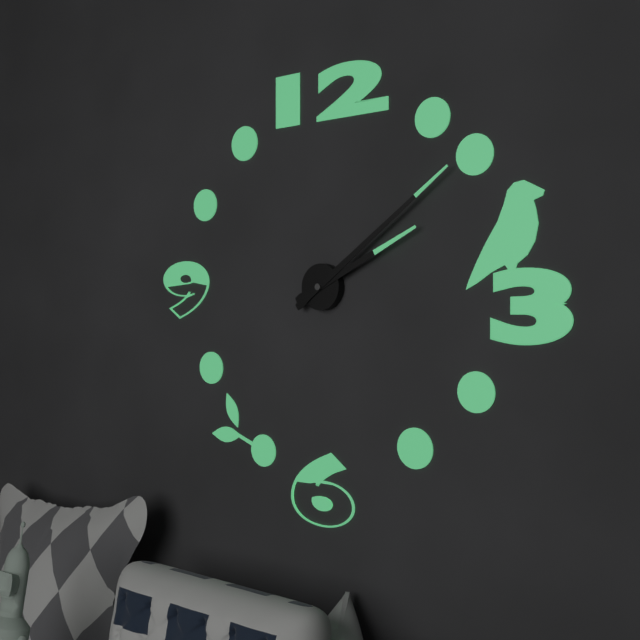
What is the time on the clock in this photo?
2:09
